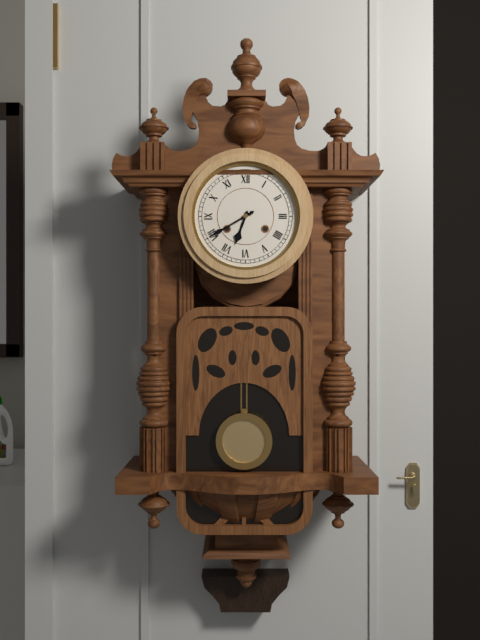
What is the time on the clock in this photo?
6:40
